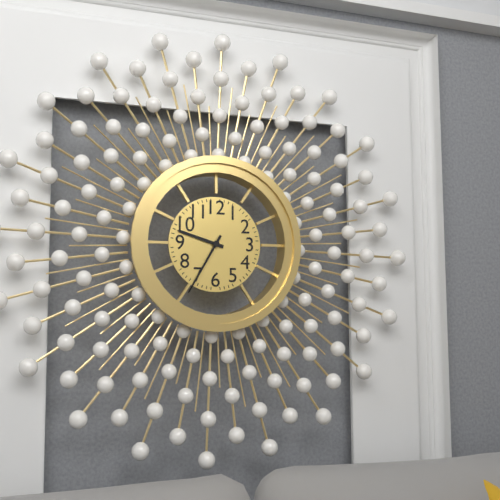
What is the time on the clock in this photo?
9:35
